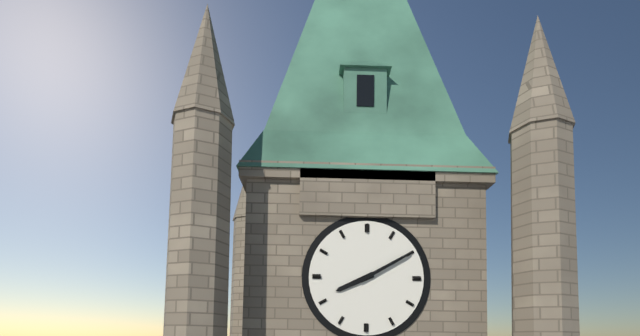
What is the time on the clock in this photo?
8:10
